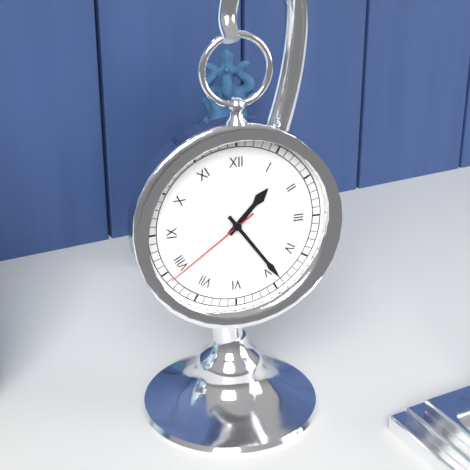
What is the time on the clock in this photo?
1:24:39
